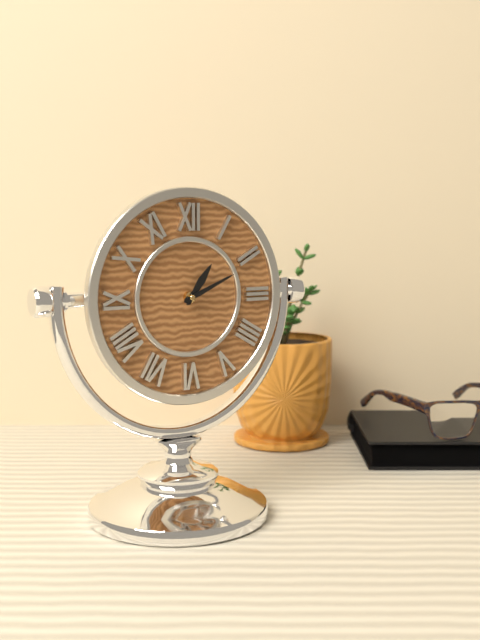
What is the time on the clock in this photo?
1:11
